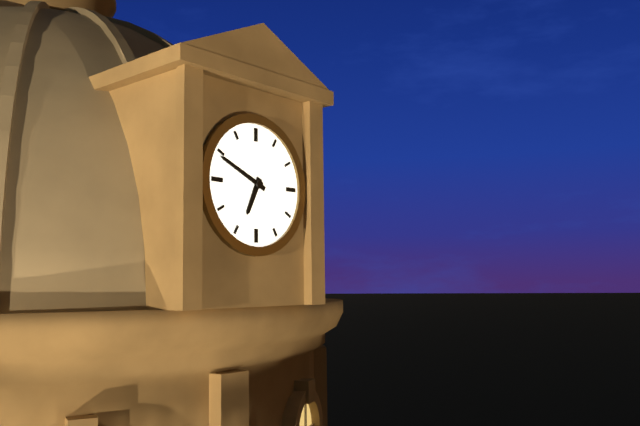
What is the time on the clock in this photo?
6:49
